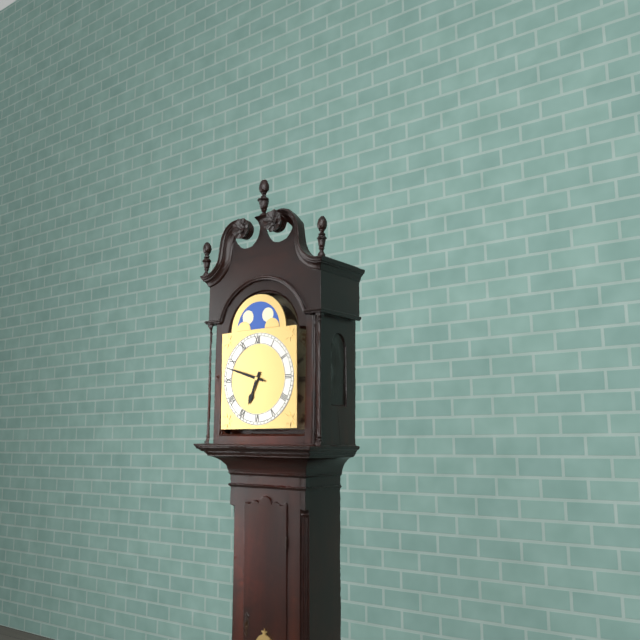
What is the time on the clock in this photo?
6:48
